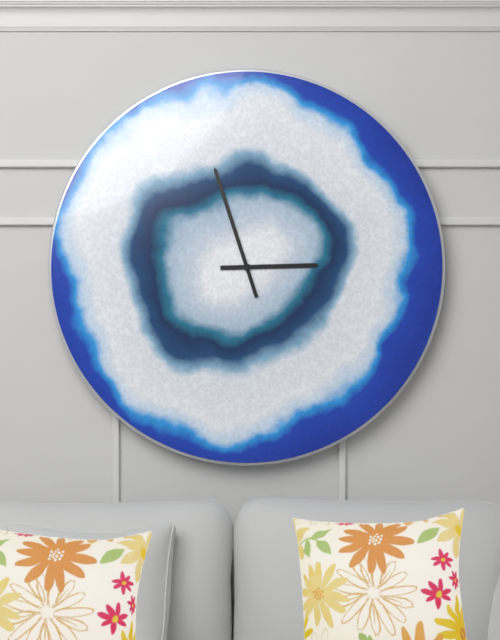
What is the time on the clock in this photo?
2:57
